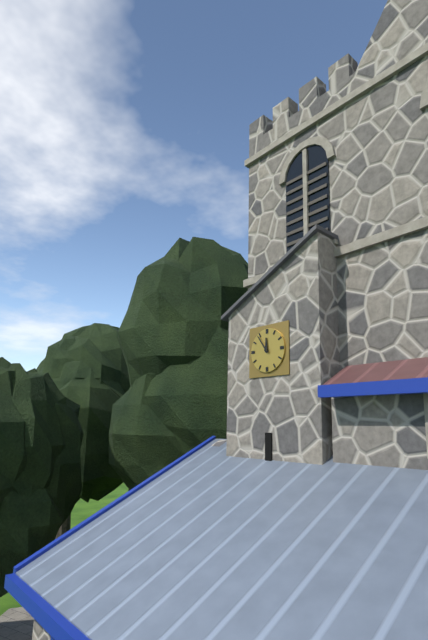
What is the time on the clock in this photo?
11:54
